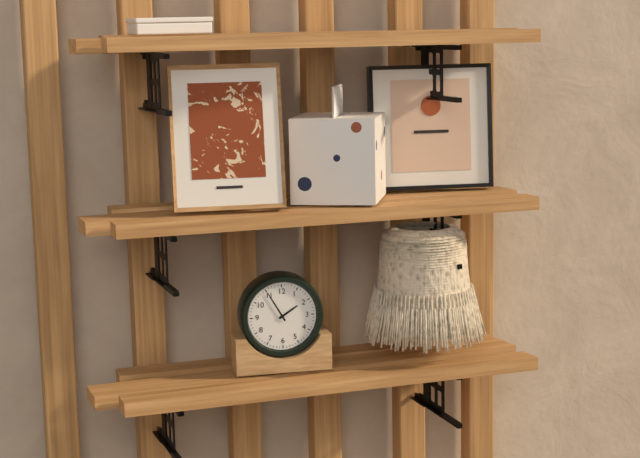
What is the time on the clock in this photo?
1:55
